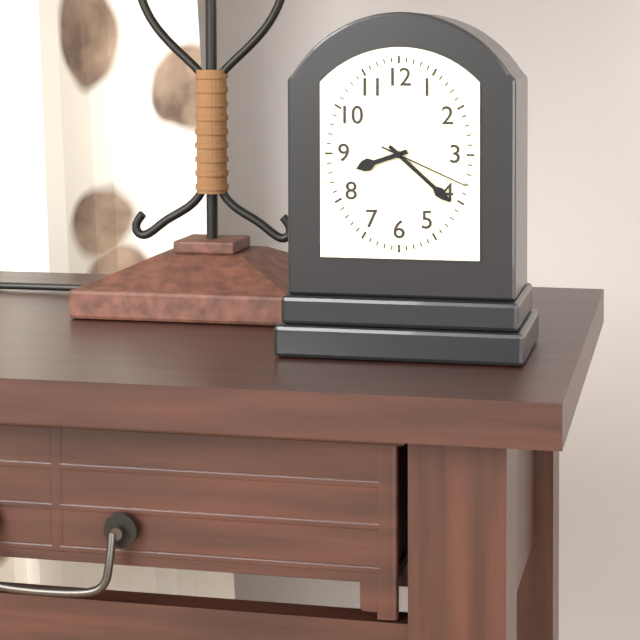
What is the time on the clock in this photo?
8:22:19
